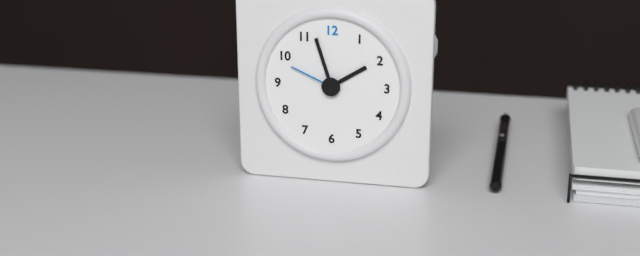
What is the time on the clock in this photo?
1:57:49
